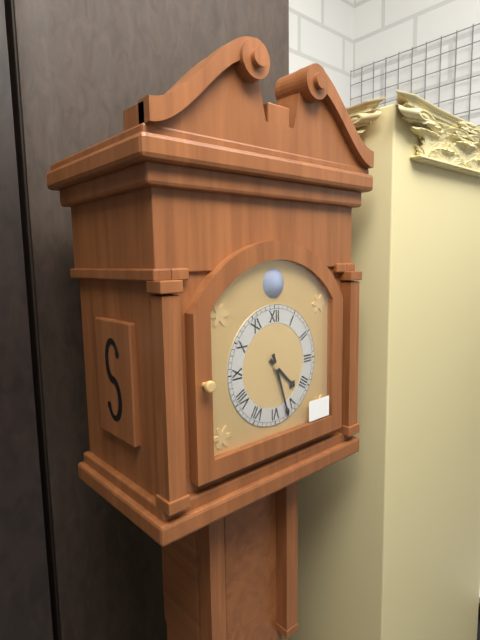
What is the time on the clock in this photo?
4:27
